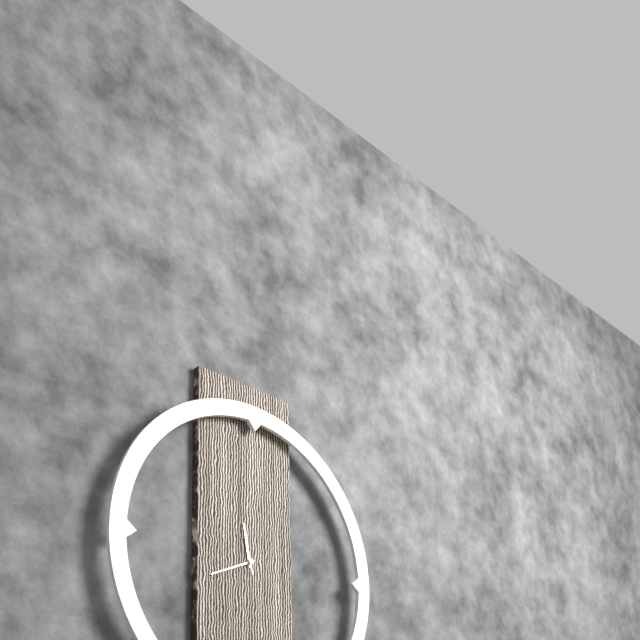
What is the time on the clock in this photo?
11:41
